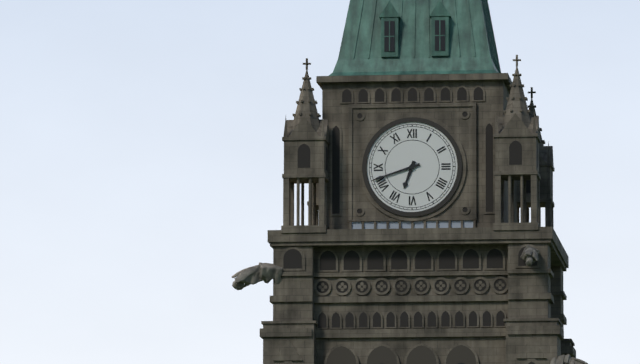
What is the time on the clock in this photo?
6:42
